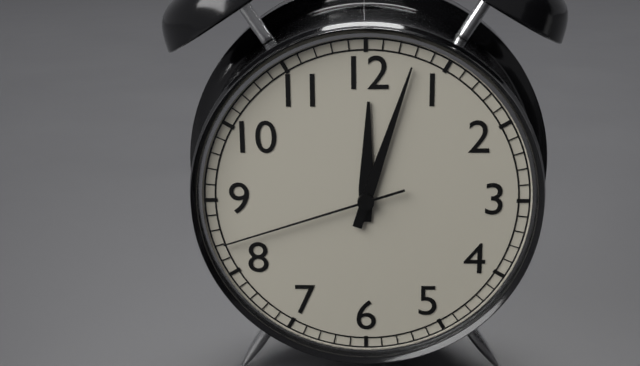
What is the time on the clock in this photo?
12:03:42
